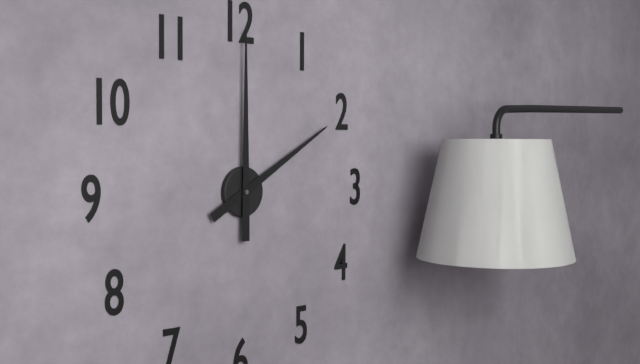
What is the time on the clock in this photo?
2:00
